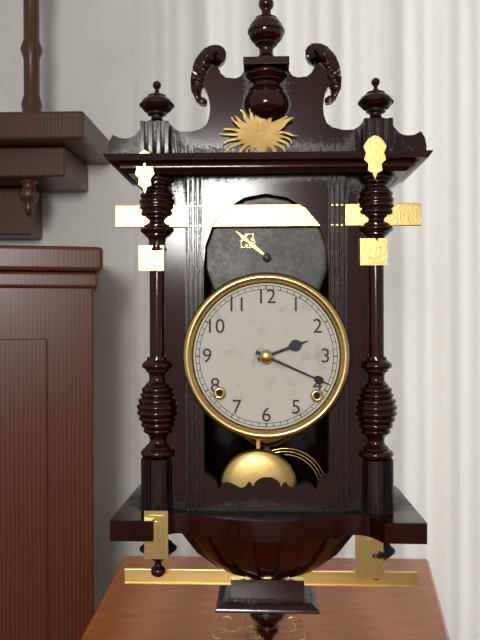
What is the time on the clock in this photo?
2:19
